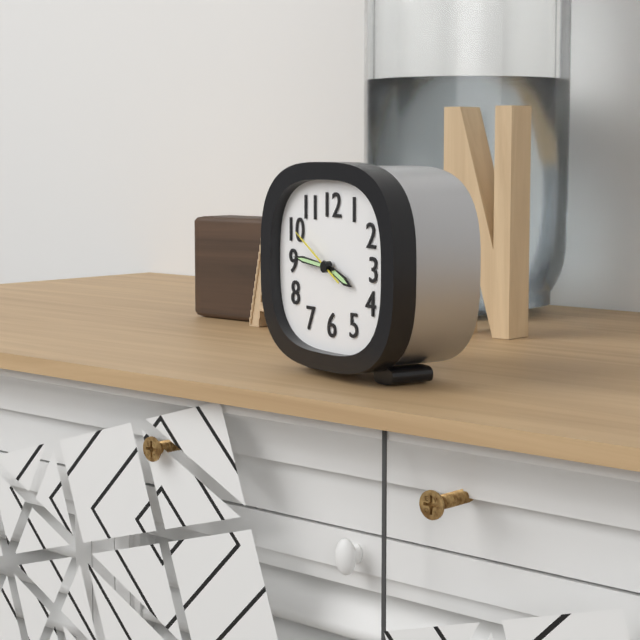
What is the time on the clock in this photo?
3:46:50
